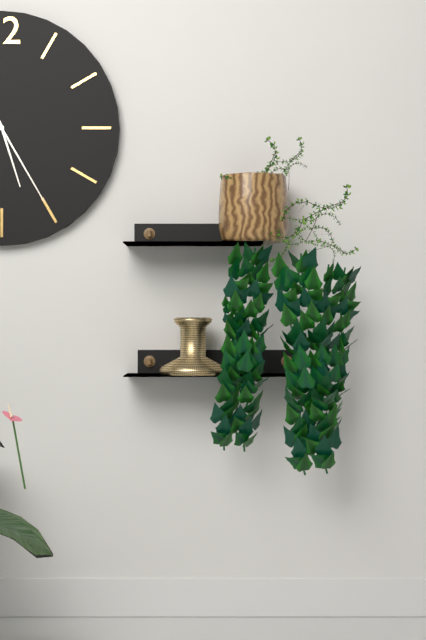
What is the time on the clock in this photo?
5:25
